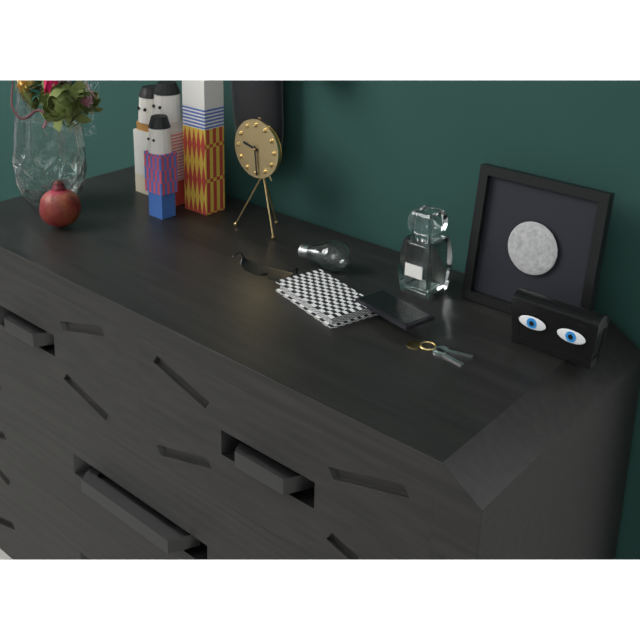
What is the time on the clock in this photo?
9:29
